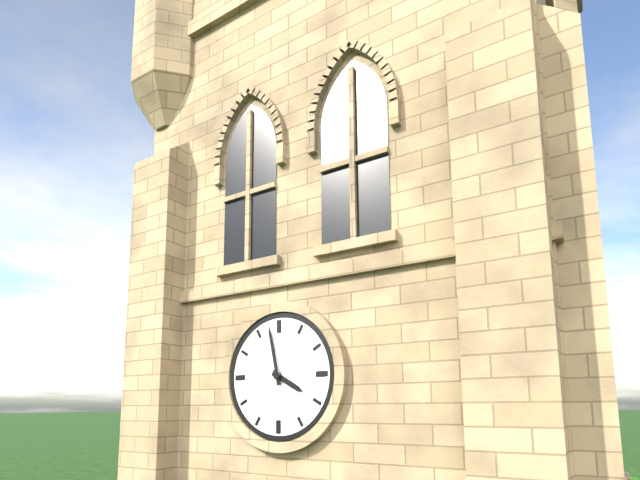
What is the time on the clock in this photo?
3:58
